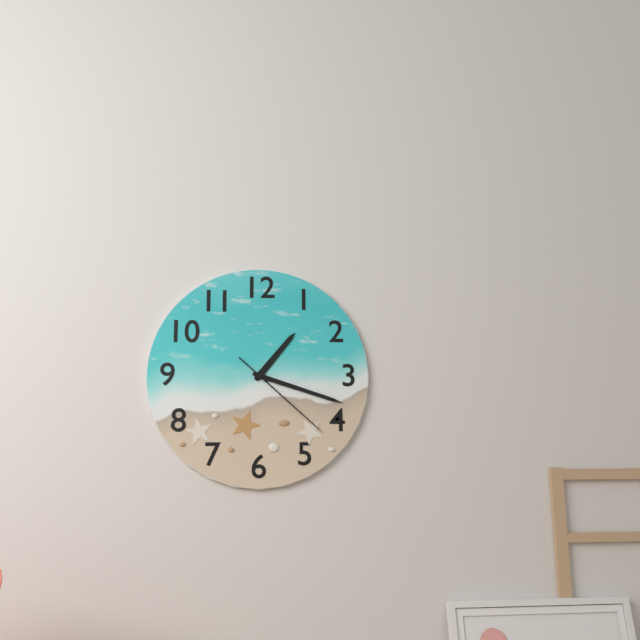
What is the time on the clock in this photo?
1:18:22
